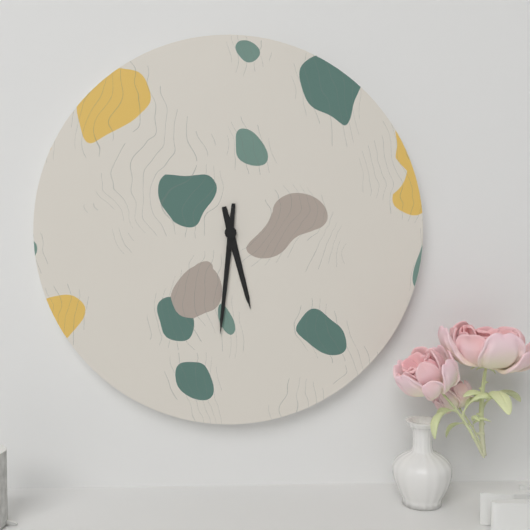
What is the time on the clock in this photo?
5:31
